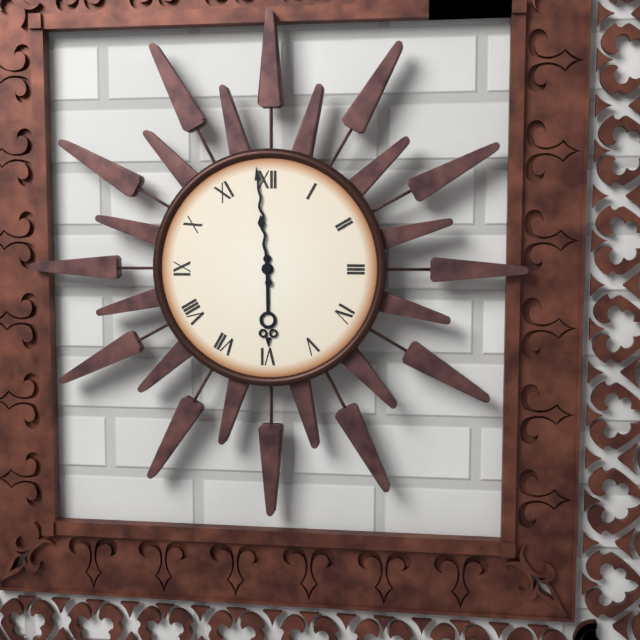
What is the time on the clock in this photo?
5:59
